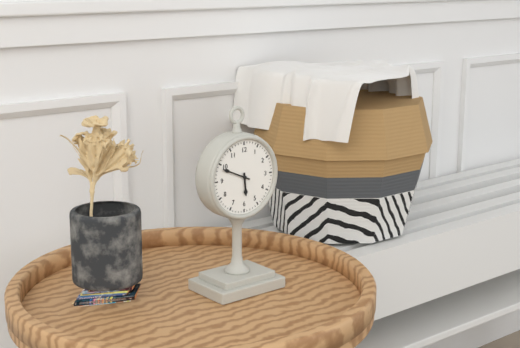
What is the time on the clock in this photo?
5:49
